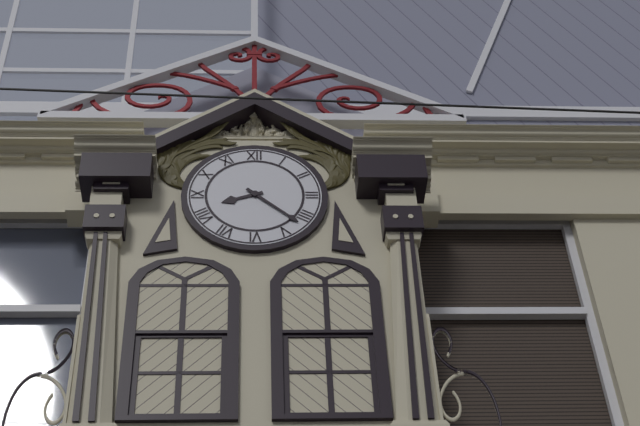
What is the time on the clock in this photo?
8:22
